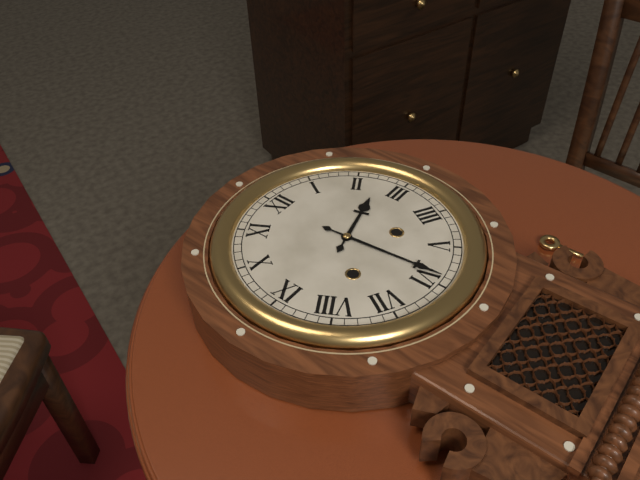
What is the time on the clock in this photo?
2:29
